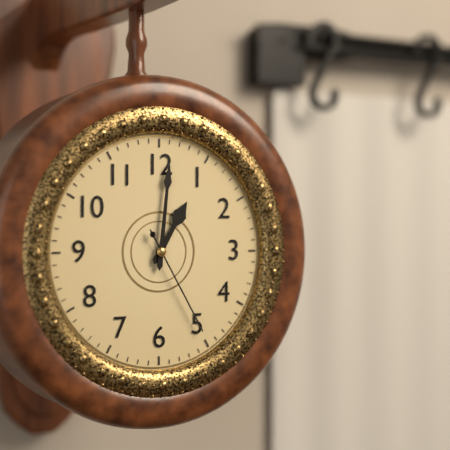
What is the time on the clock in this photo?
1:01:25
